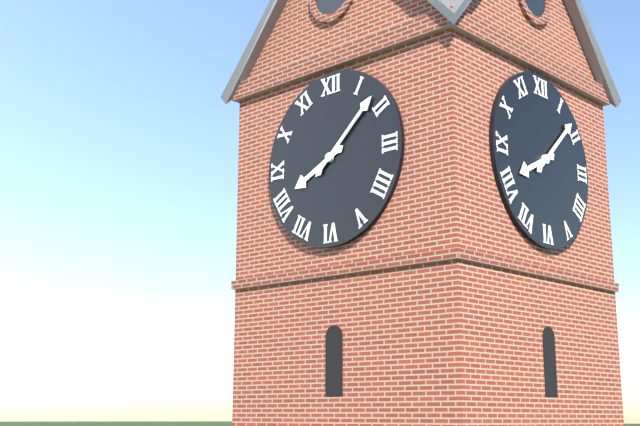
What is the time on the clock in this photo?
8:08
